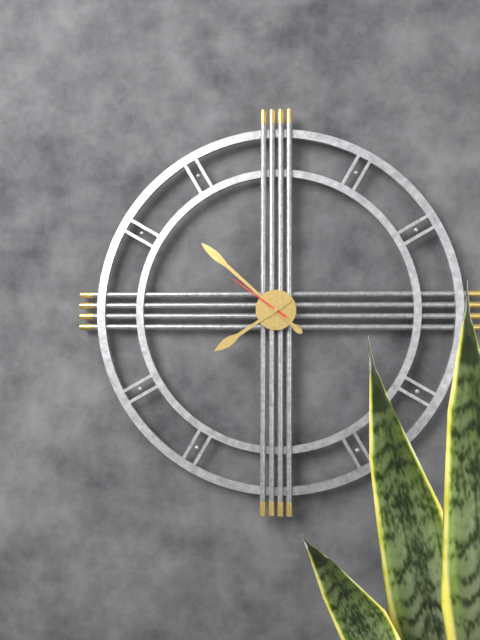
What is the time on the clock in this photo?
7:52:51
